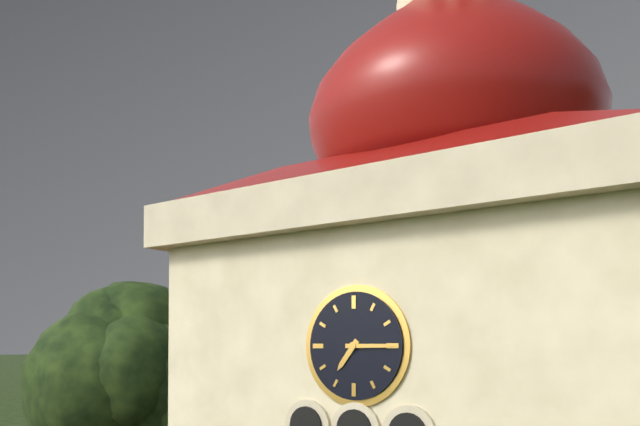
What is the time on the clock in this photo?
7:15
